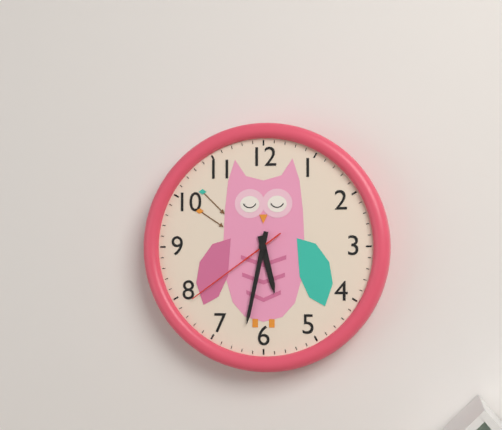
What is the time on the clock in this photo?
5:32:39
